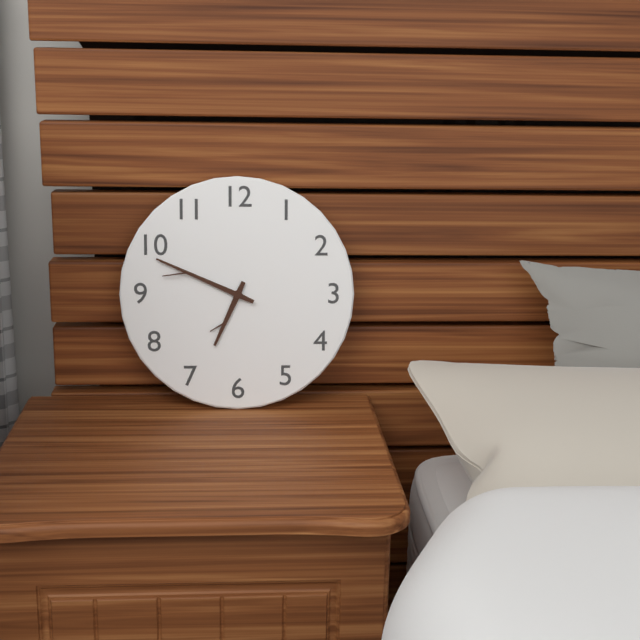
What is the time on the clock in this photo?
6:49
